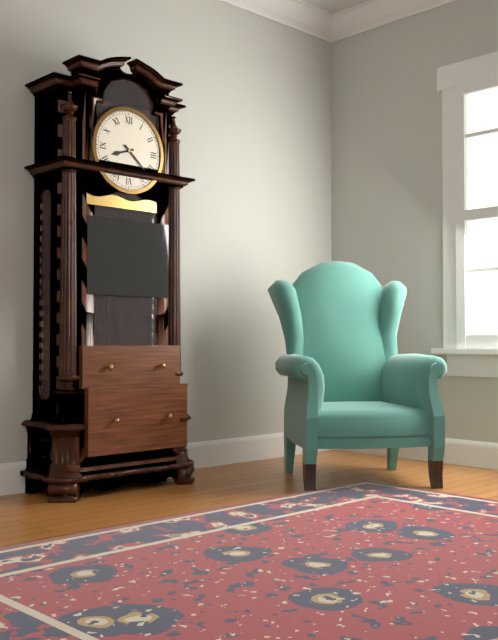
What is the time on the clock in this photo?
8:22
